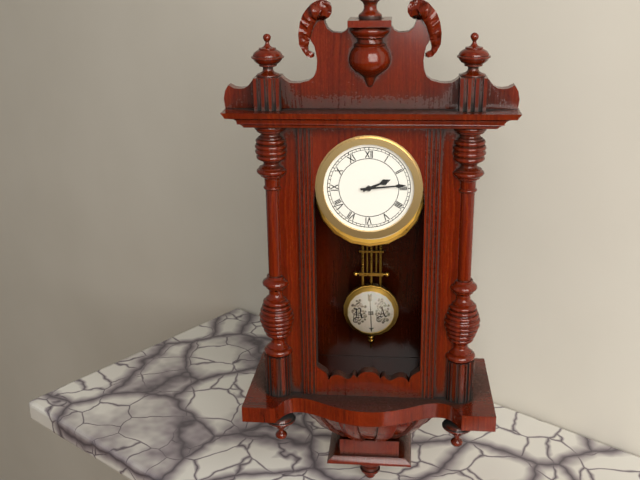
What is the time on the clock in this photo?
2:14
